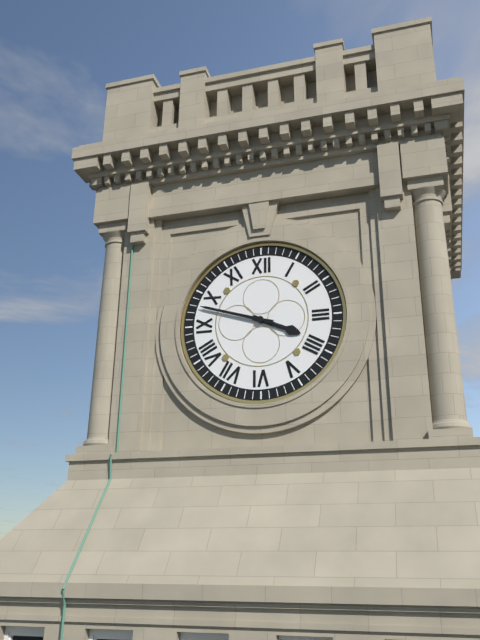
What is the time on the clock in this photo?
3:48
